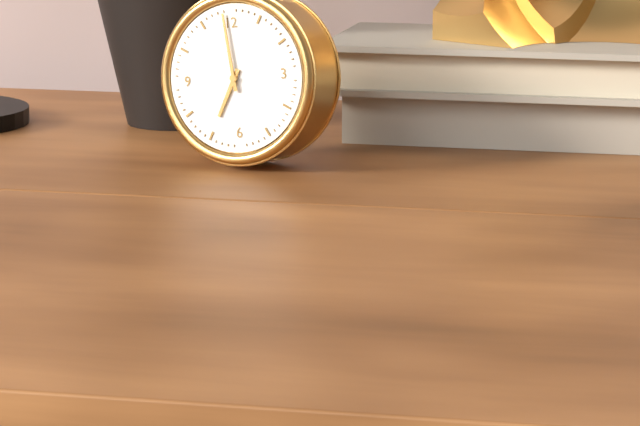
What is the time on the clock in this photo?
6:59
